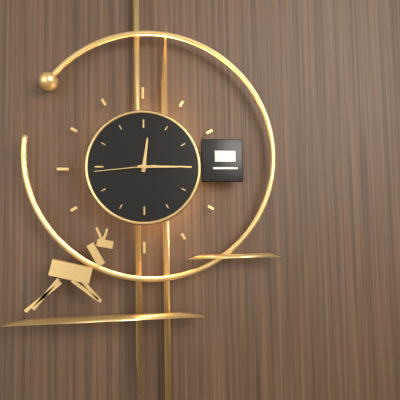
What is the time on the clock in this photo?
12:15:44
